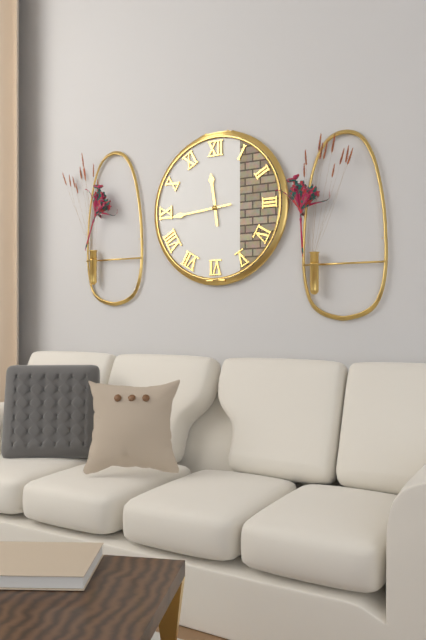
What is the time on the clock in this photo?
11:44
